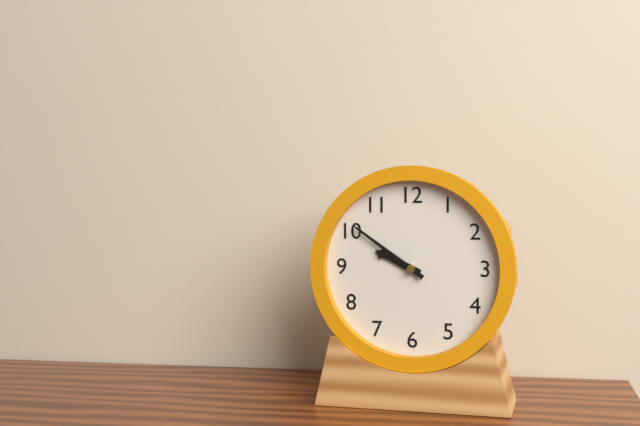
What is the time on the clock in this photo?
9:51
